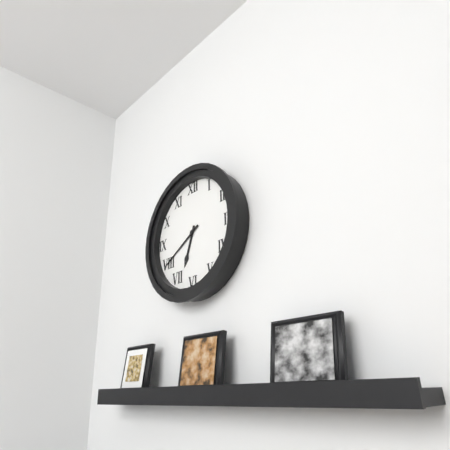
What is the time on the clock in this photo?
6:40
